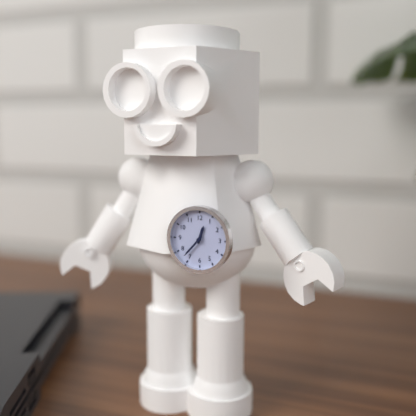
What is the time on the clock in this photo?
12:37
